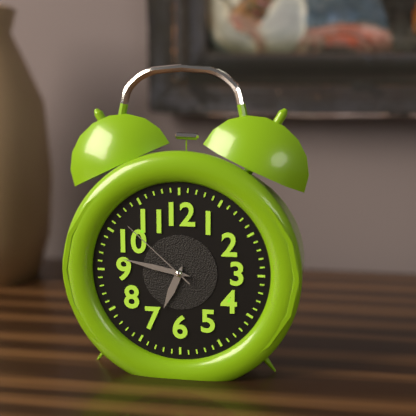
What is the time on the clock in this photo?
6:47:52
